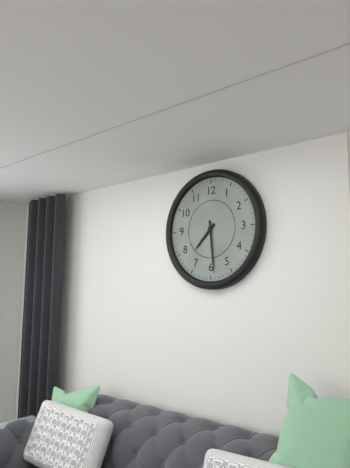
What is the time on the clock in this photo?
7:29
